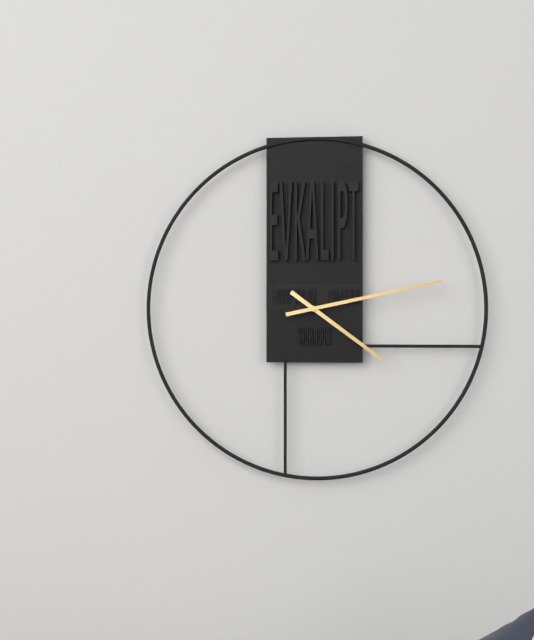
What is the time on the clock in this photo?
4:13
